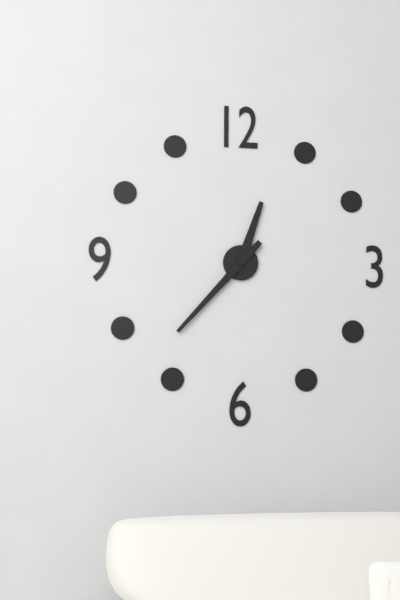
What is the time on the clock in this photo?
12:37
